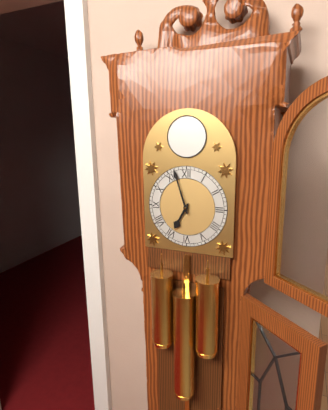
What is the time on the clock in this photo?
6:57
